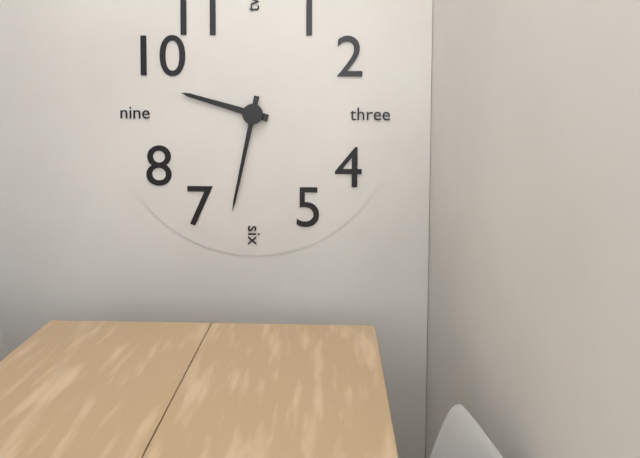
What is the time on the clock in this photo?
9:32
